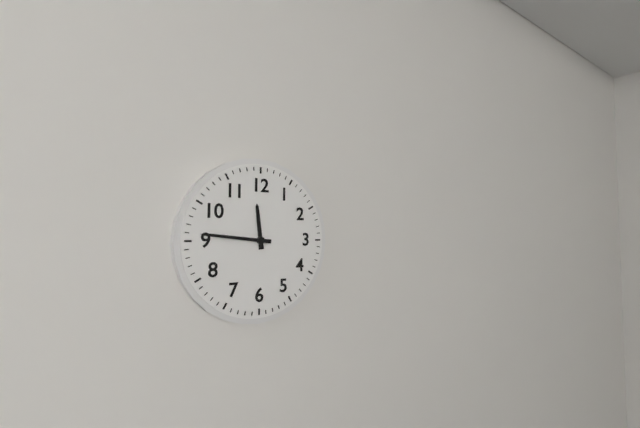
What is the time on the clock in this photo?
11:46
